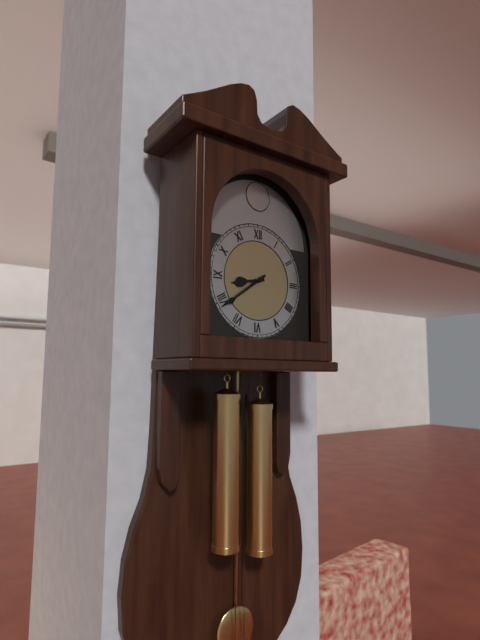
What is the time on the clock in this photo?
8:39
